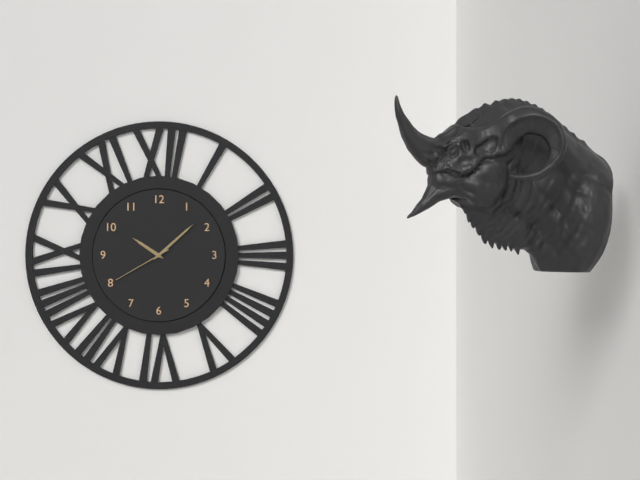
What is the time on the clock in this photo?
10:08:40
